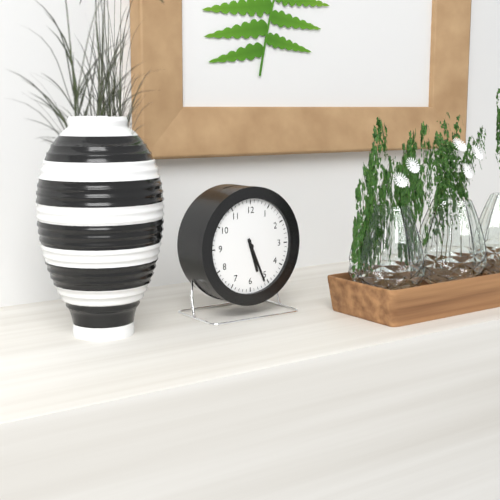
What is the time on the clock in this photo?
5:26
